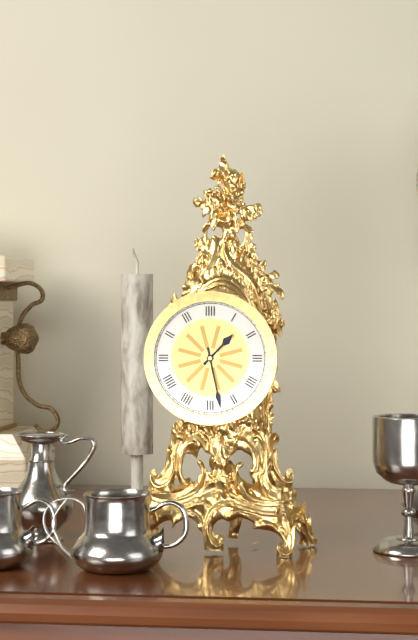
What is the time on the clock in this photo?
1:28
